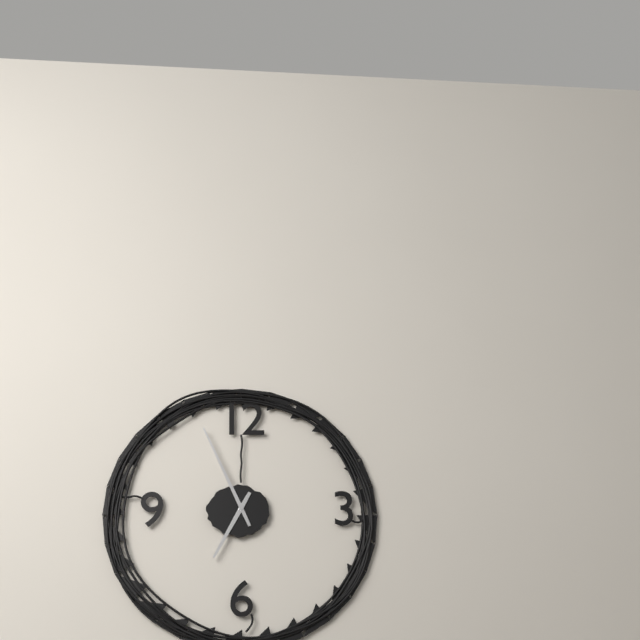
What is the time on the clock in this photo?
6:56
